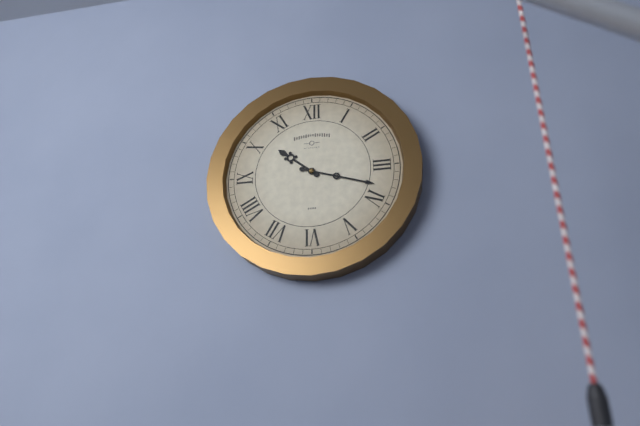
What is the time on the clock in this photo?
10:18
